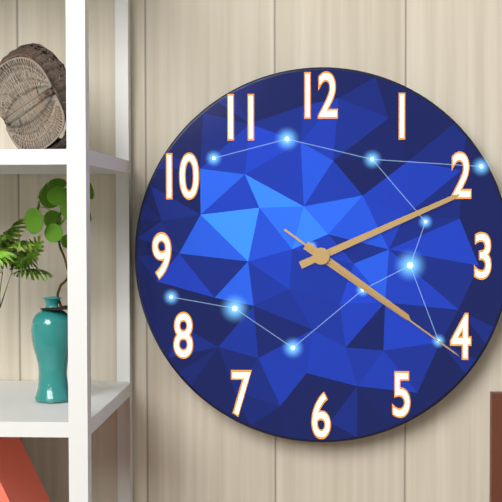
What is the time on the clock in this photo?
4:11:21
